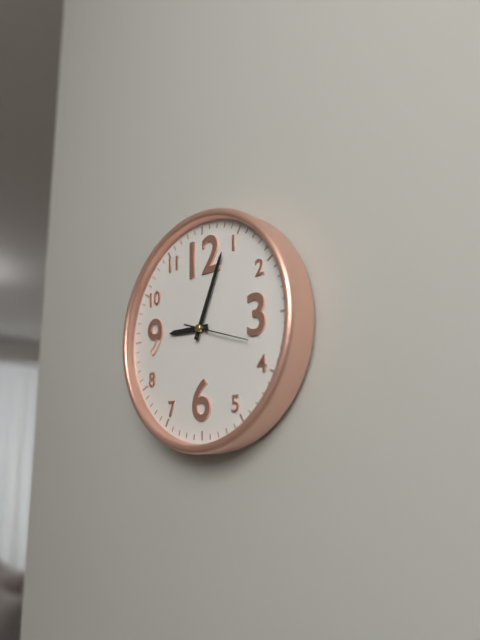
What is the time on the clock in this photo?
9:04:18
